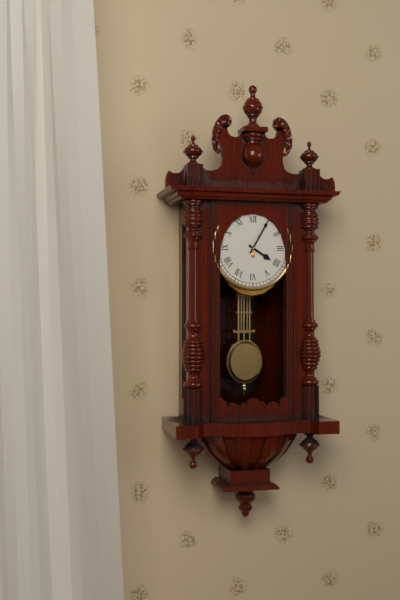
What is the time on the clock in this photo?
4:05
